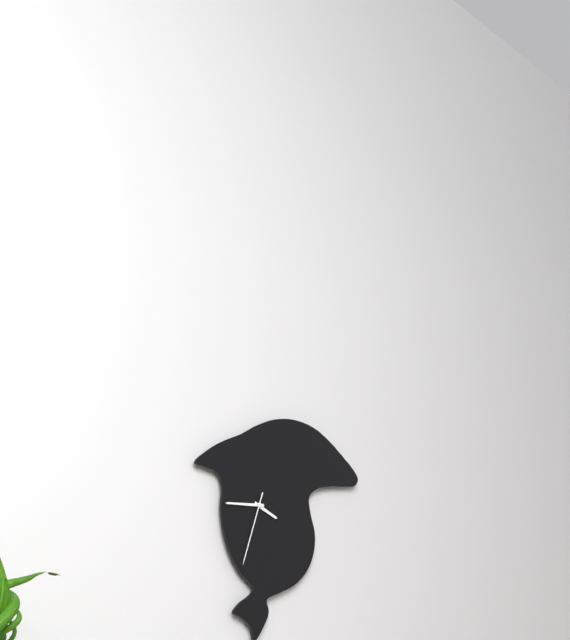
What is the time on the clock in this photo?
3:44:33
